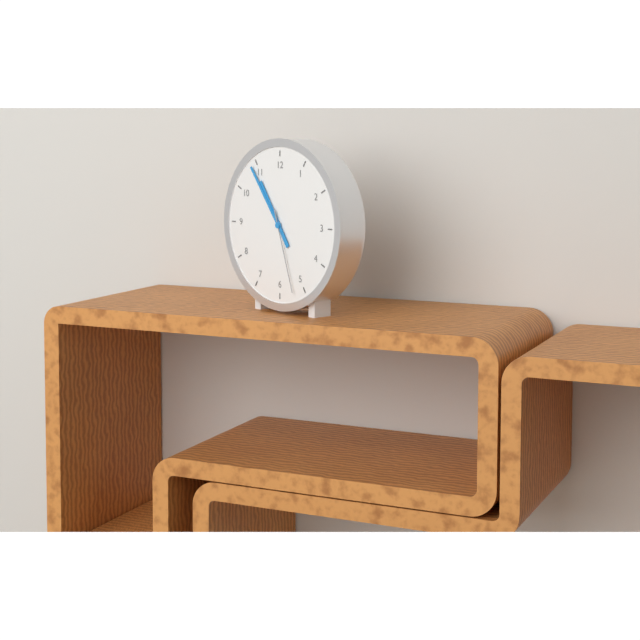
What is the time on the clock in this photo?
10:54:27
